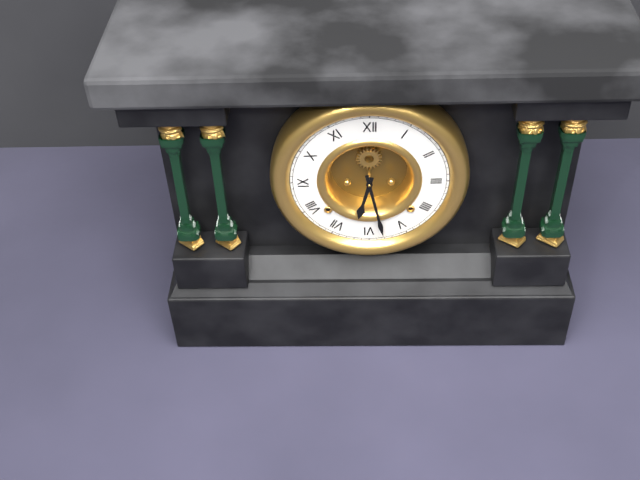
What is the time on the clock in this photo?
6:28
